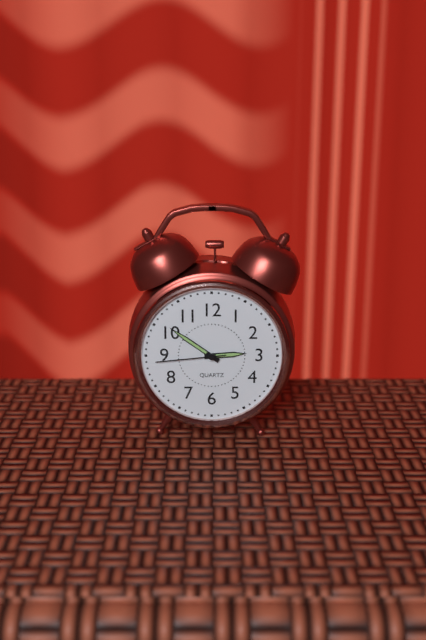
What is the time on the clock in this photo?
2:51:44
